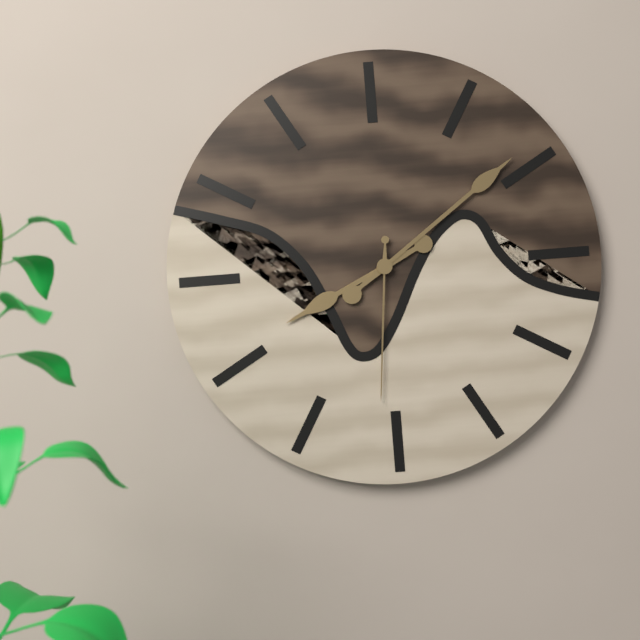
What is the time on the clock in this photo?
8:09:31
